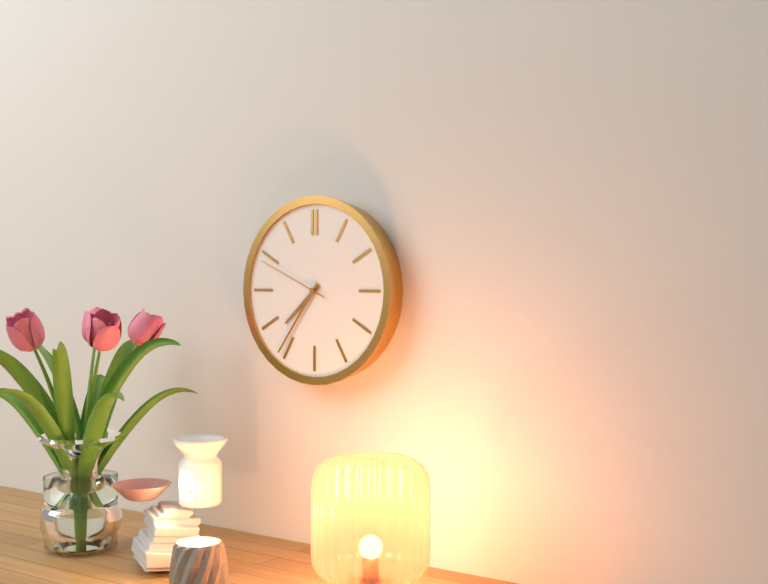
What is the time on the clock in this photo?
7:36:49
